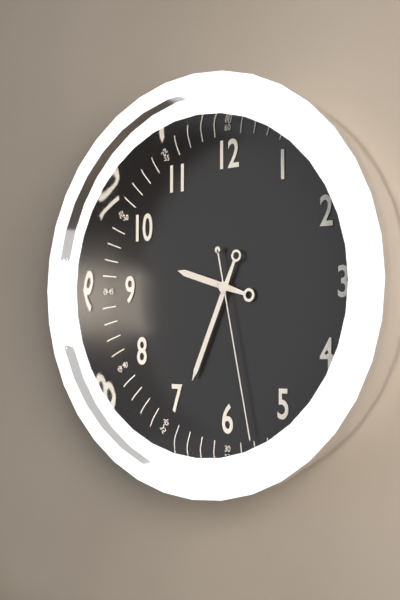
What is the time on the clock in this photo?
9:34:28
